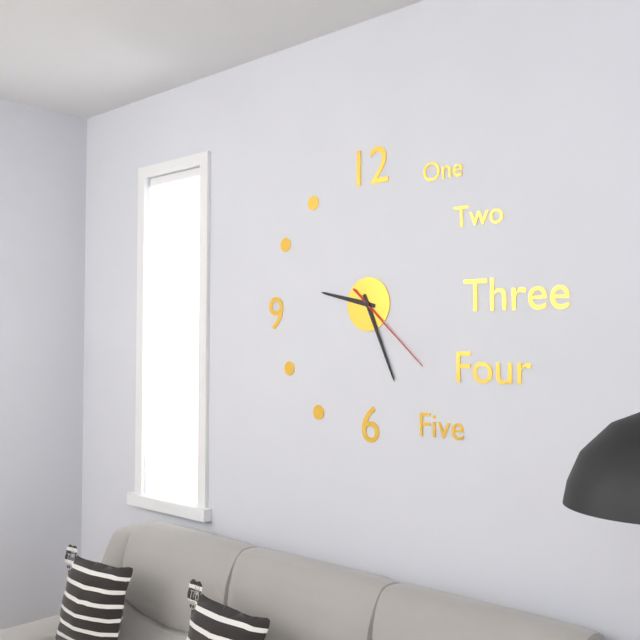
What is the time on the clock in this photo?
9:26:22
